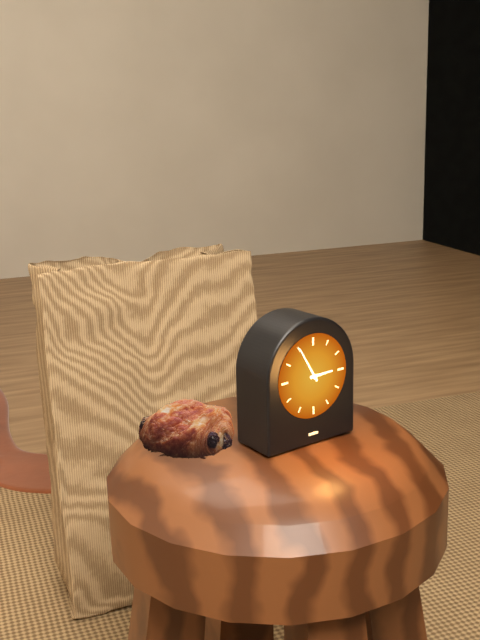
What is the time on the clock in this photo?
2:55
